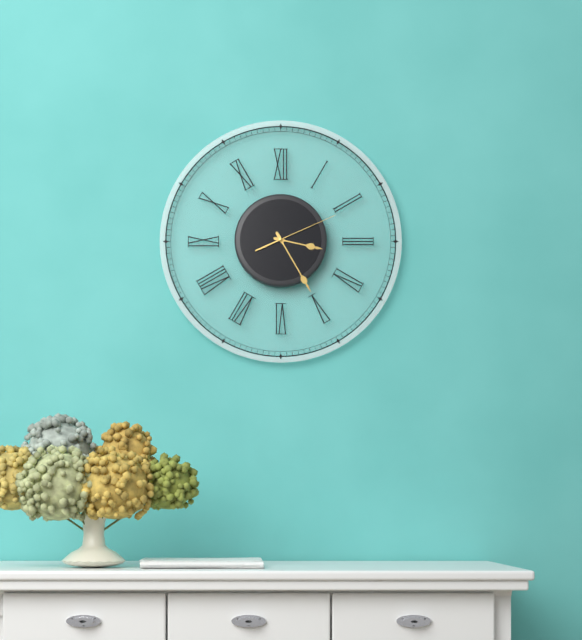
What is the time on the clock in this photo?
3:25:11
